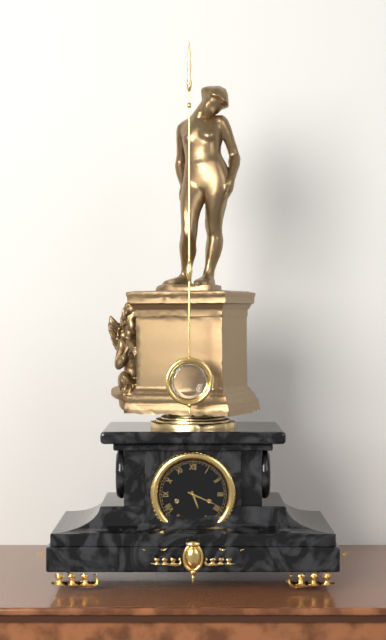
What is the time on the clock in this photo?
5:19
